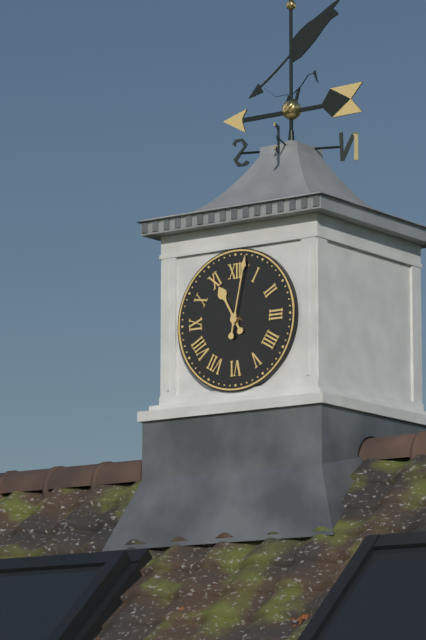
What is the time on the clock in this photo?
11:02
